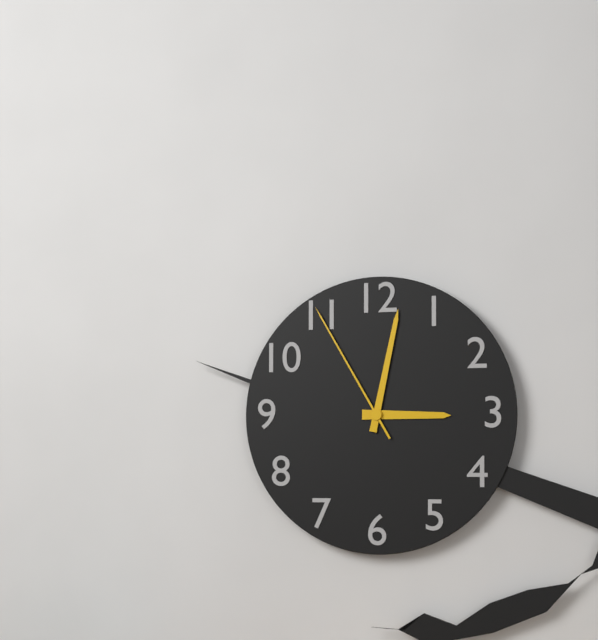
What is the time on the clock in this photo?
3:02:55
